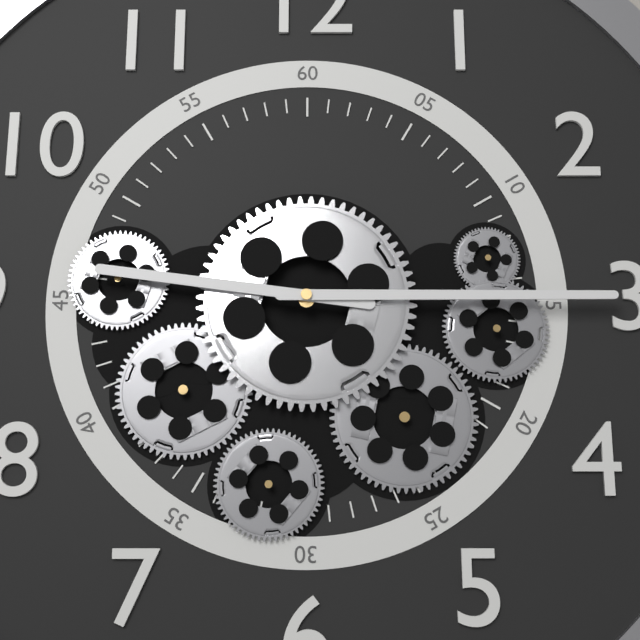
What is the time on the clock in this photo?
9:15
